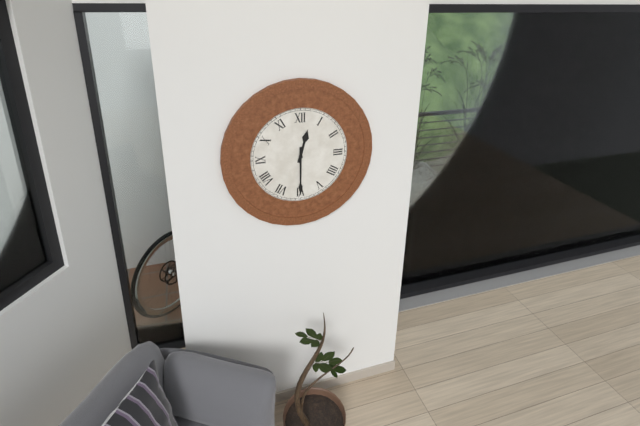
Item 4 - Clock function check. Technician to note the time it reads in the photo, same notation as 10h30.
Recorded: 12h30
